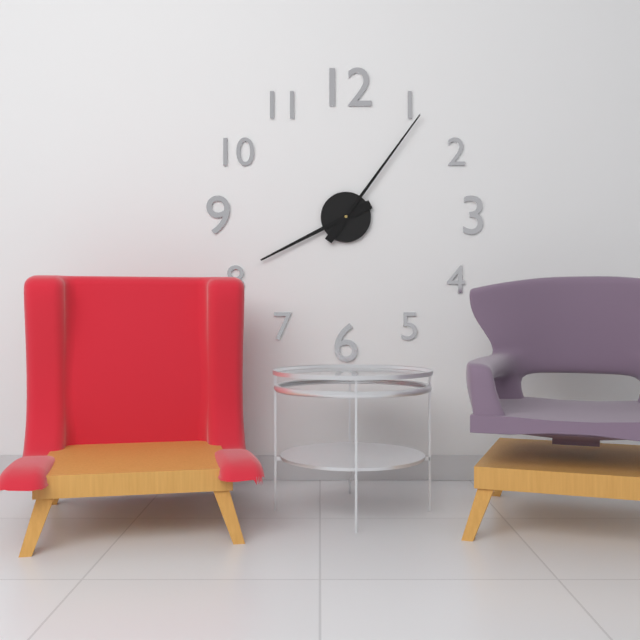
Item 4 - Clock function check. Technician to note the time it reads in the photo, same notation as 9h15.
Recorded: 8h06
